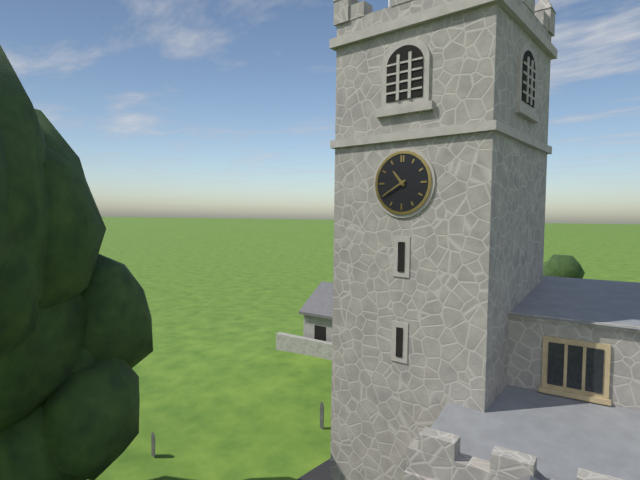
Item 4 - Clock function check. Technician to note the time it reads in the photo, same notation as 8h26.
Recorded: 10h40
